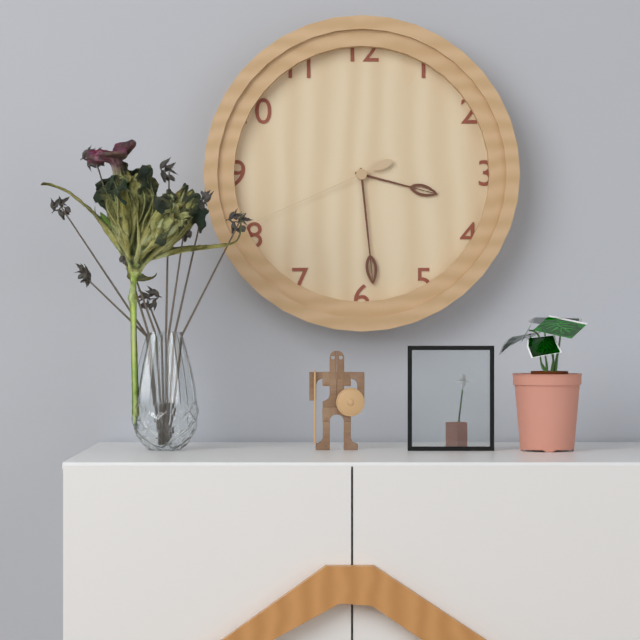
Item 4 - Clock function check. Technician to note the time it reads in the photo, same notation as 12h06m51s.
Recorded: 3h29m41s
